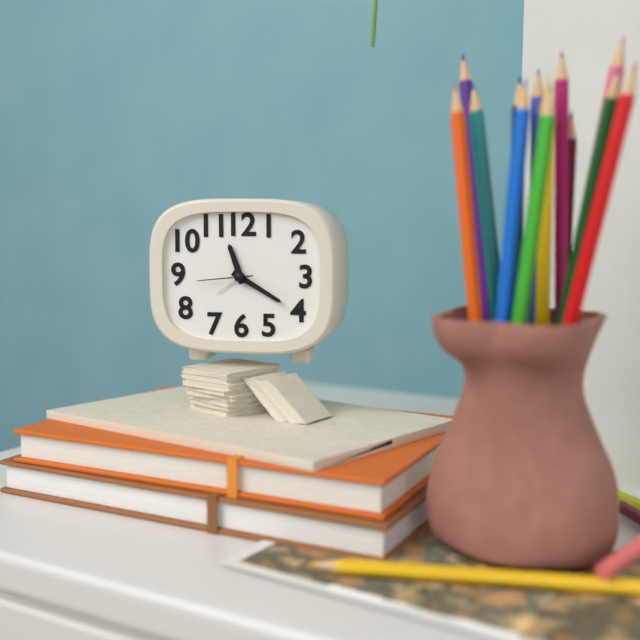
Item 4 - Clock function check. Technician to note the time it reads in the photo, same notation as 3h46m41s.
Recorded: 11h20m44s
